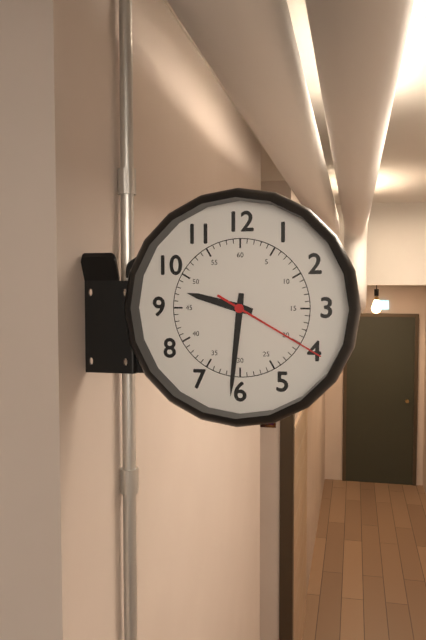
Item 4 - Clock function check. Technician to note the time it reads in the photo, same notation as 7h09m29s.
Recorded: 9h31m20s
